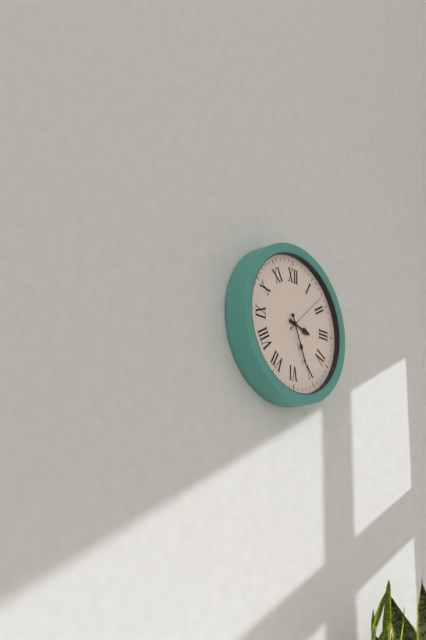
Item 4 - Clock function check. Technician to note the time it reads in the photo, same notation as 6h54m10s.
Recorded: 3h26m08s
